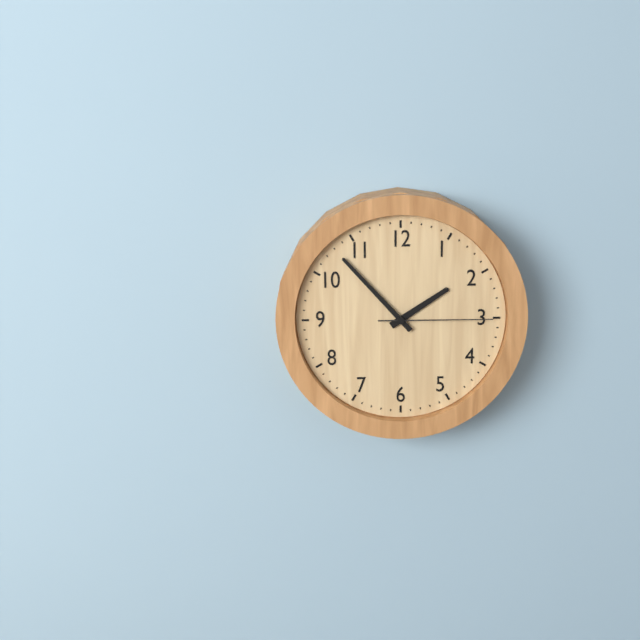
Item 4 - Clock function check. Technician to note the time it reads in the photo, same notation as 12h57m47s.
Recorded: 1h53m15s
